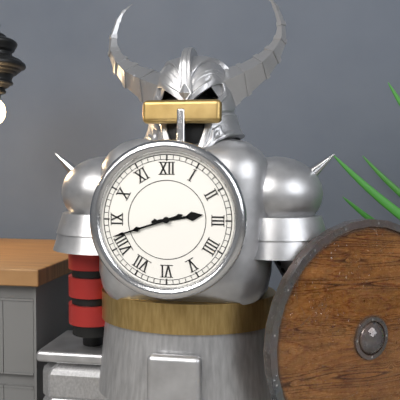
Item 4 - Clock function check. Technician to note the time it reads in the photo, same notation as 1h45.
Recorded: 2h42
